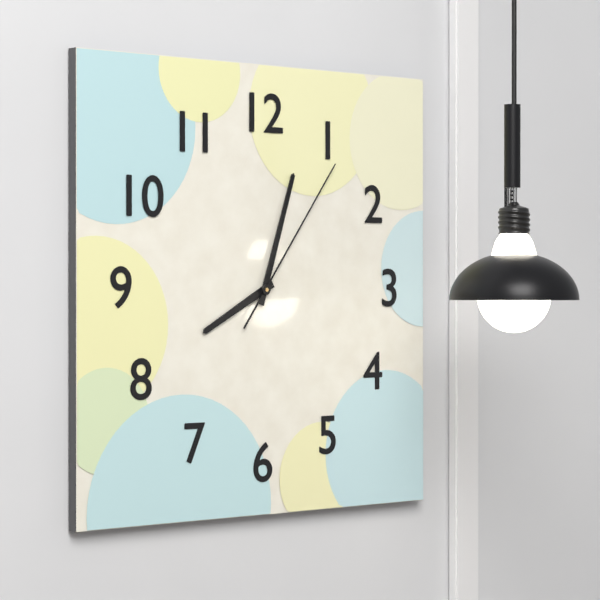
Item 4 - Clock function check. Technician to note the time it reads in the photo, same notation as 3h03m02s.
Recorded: 8h03m06s
